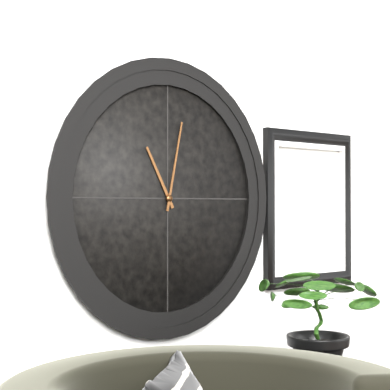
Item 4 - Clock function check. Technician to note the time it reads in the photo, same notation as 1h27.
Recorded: 11h02
